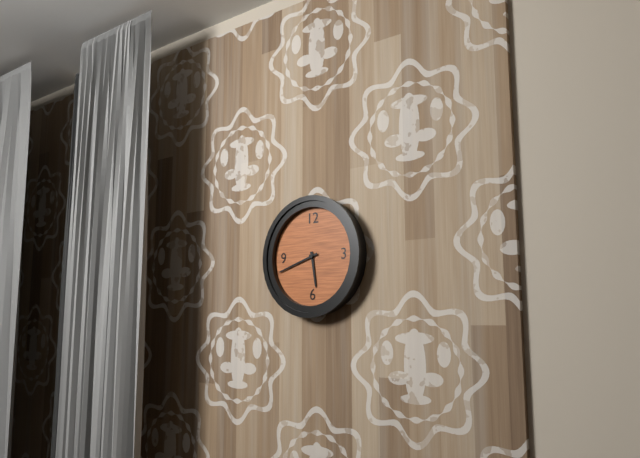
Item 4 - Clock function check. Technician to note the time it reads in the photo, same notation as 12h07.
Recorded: 5h42
